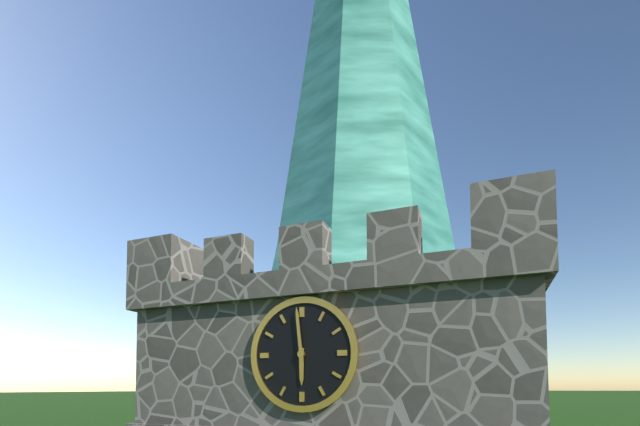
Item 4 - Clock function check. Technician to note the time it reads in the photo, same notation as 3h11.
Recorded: 5h59
